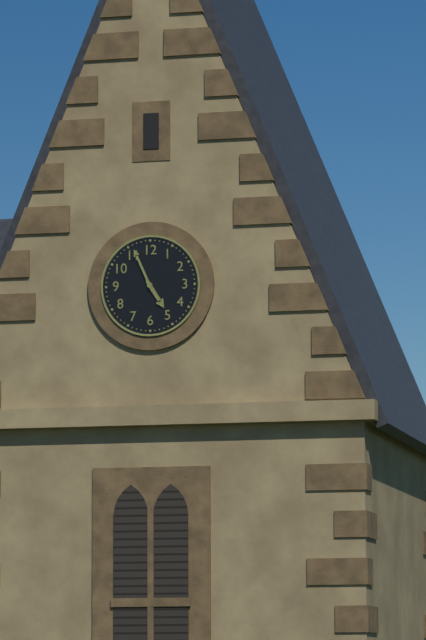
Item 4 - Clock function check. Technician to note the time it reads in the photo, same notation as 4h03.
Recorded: 4h56
